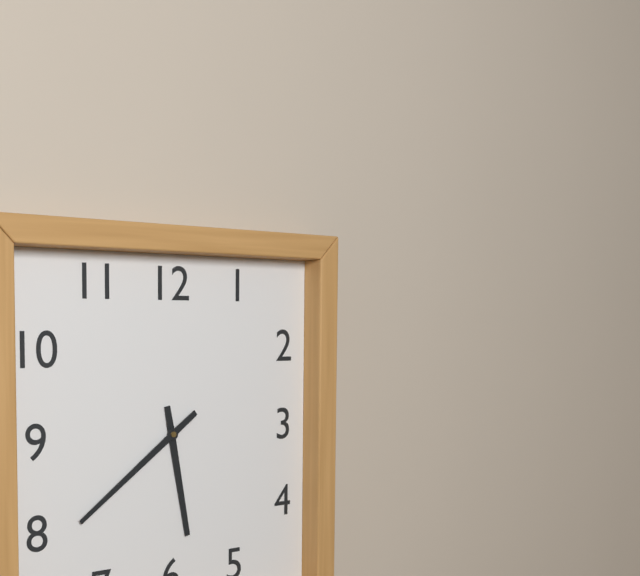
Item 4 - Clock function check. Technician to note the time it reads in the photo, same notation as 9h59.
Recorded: 5h39
